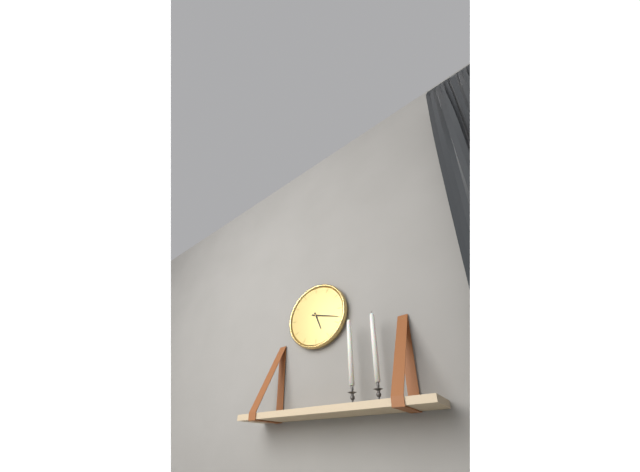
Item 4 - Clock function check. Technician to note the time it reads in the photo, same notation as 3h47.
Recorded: 5h18
